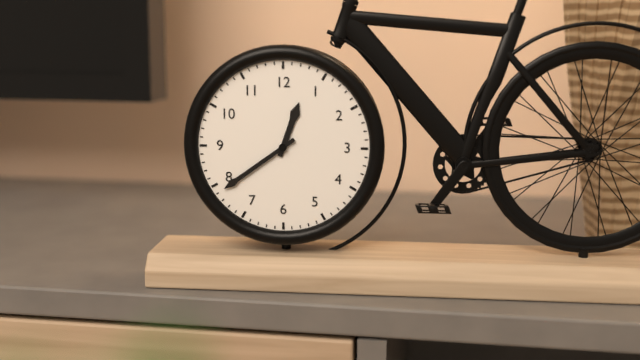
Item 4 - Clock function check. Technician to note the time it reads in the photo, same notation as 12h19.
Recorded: 12h39
